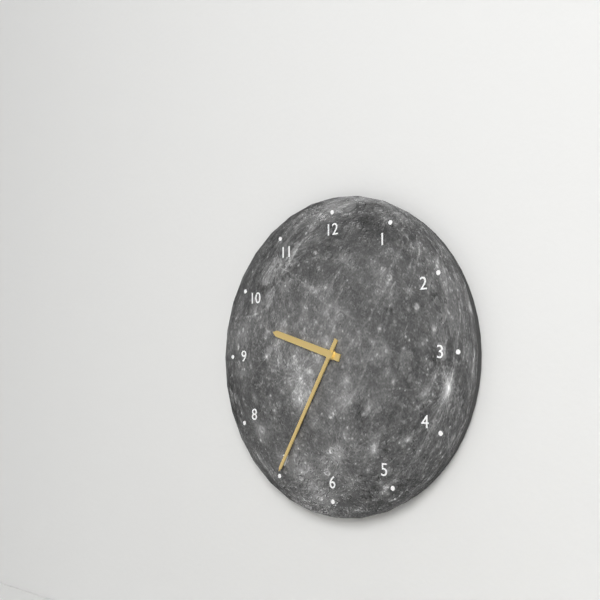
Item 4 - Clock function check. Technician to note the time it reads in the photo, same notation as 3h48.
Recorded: 9h35
